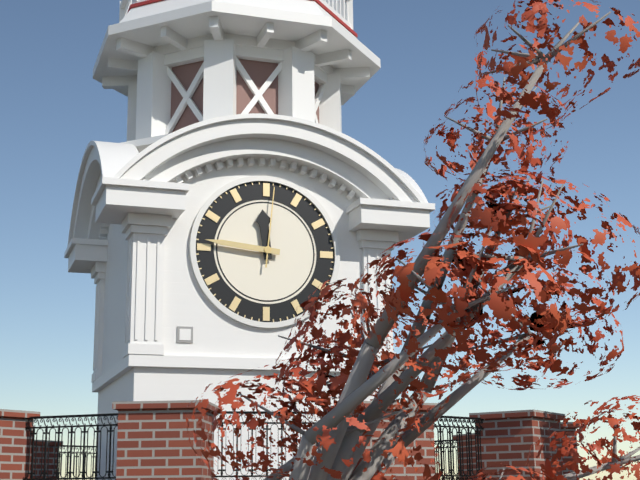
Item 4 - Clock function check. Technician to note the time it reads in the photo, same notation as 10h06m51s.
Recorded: 11h46m01s
